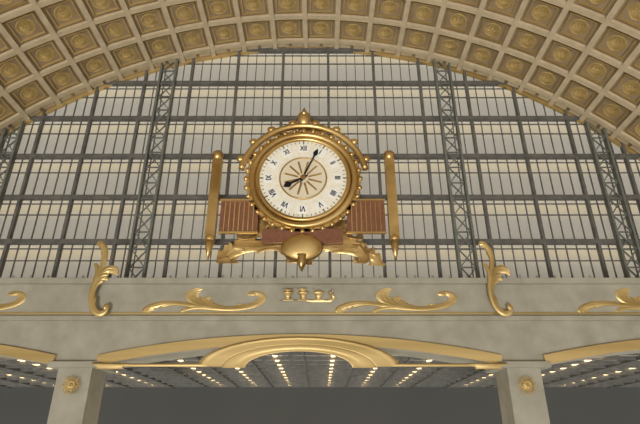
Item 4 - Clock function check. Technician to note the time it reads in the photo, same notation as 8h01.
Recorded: 8h04
